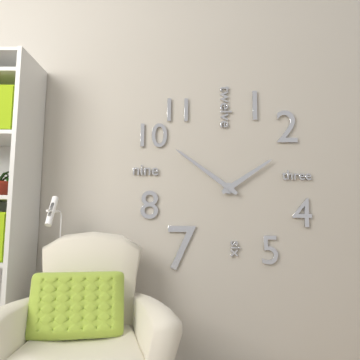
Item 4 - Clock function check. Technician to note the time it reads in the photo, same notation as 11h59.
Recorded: 1h51
